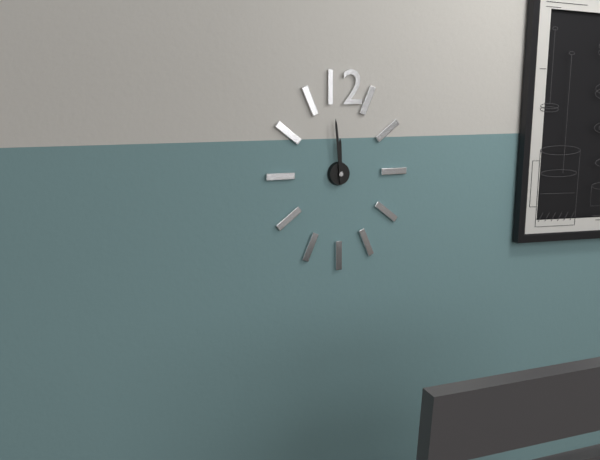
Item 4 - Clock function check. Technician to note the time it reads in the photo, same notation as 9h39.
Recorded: 11h59
